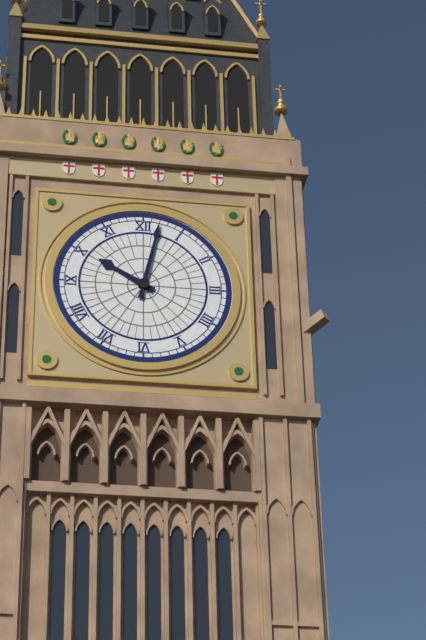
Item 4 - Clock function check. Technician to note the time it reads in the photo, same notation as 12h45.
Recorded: 10h02
